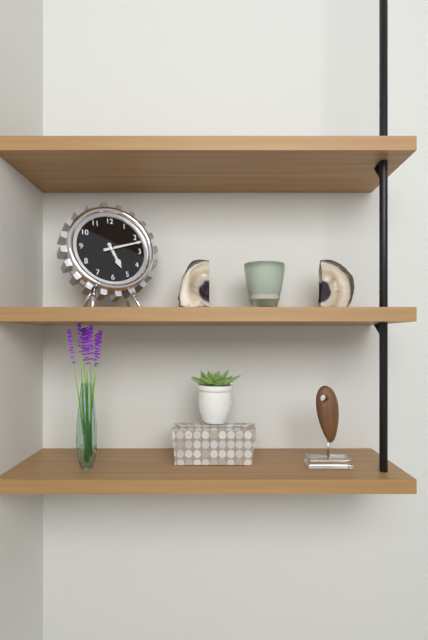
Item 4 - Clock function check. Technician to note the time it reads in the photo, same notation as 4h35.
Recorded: 5h12
